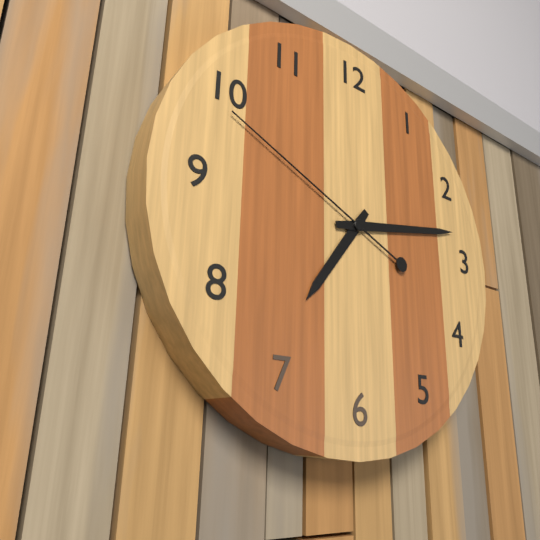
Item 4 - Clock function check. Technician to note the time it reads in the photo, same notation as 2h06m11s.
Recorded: 7h13m49s
